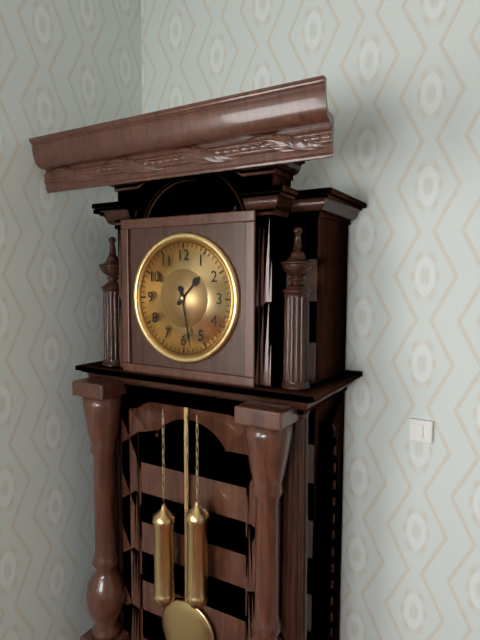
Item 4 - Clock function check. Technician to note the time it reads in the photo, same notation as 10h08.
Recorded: 1h28
